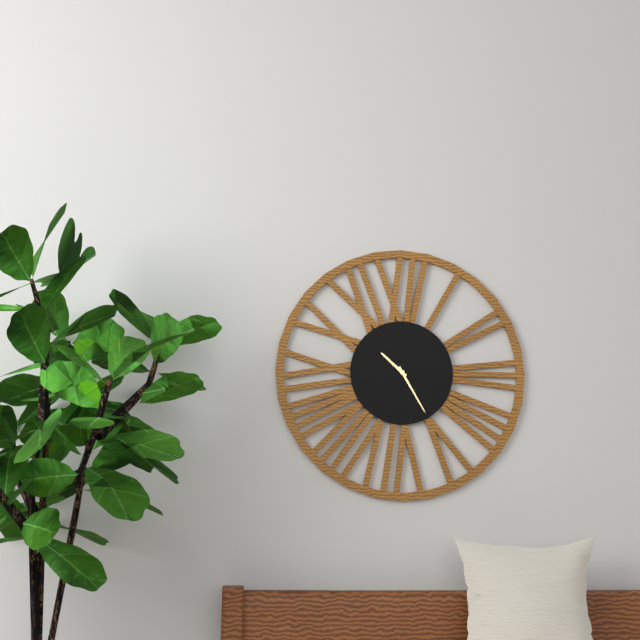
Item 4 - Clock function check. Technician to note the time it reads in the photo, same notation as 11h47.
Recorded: 10h25
